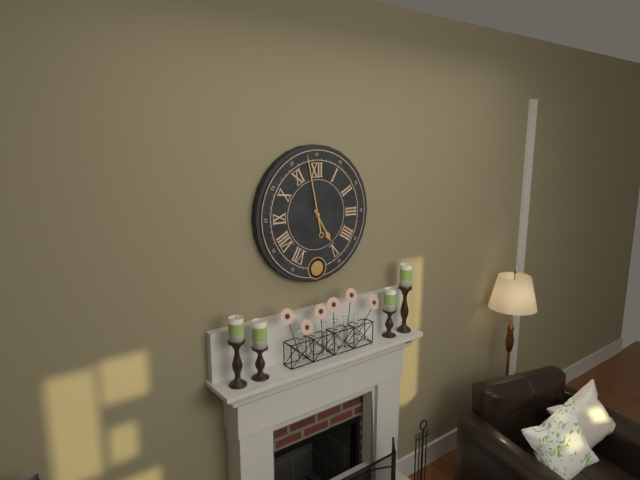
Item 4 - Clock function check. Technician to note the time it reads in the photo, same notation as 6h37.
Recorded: 4h58
